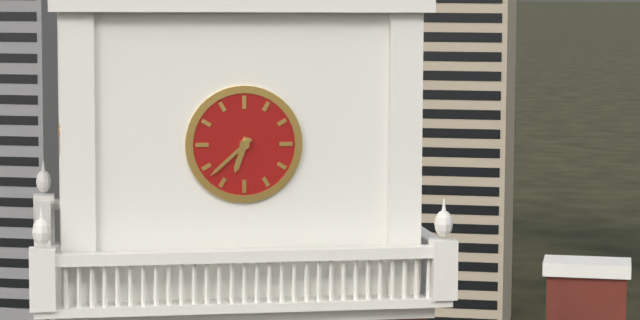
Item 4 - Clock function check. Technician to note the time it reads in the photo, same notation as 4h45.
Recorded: 6h38
